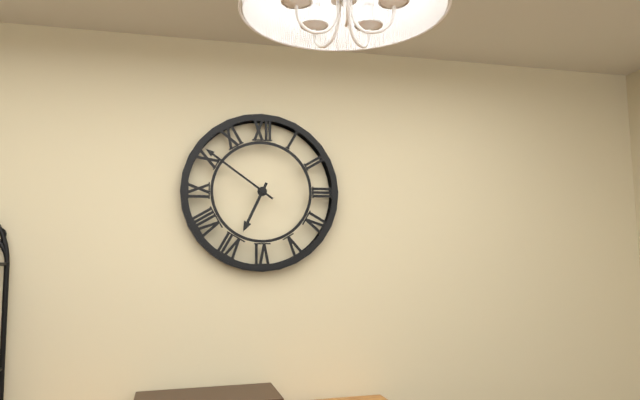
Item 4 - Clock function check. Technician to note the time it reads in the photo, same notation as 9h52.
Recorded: 6h51
